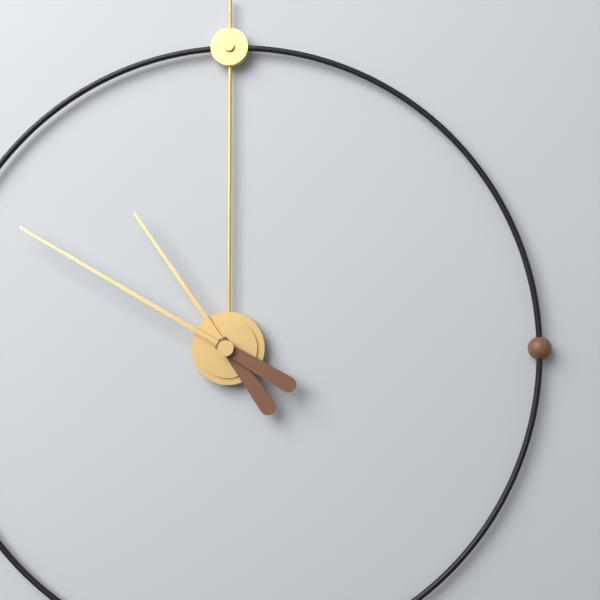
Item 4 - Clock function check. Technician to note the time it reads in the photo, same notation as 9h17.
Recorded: 10h50
